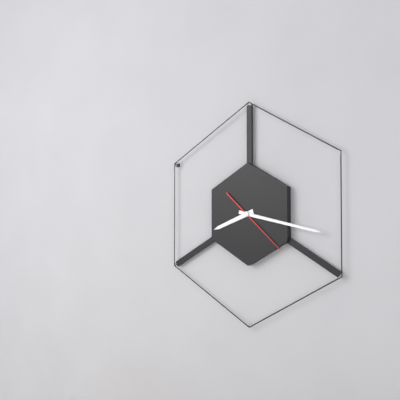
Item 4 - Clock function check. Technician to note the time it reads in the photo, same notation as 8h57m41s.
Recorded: 8h17m22s
